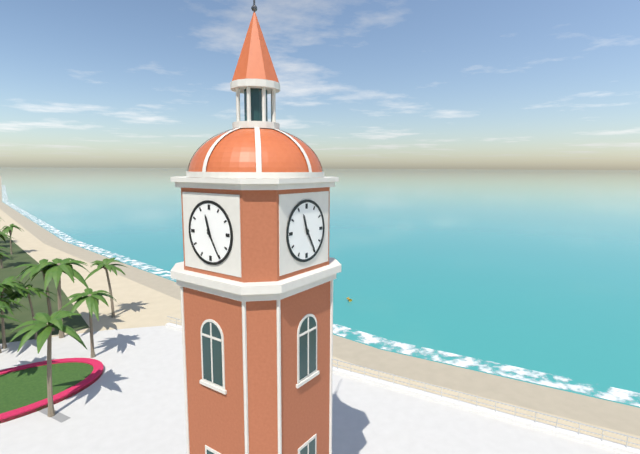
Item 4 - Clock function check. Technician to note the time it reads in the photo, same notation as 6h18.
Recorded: 11h25
